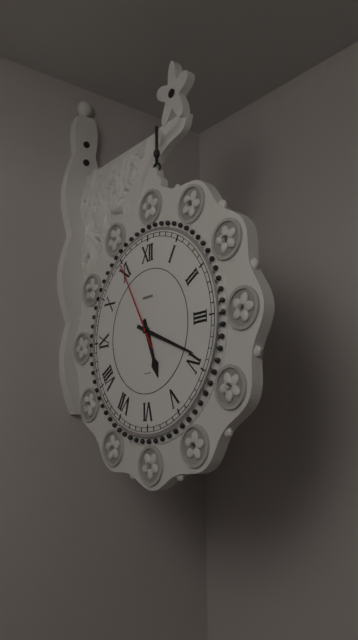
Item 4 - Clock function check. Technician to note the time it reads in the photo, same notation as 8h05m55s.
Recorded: 5h19m55s
